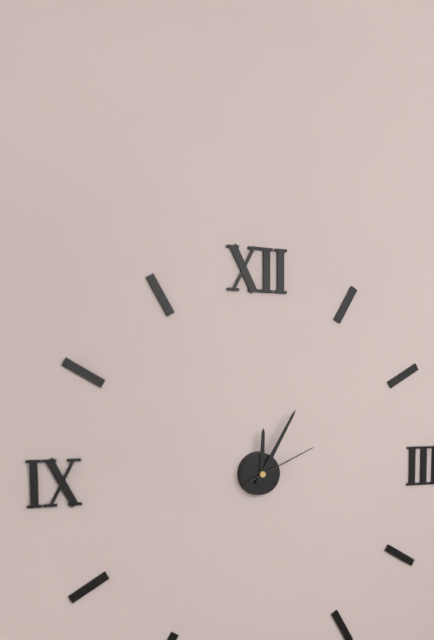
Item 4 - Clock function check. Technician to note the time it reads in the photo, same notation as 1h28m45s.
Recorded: 12h05m11s
